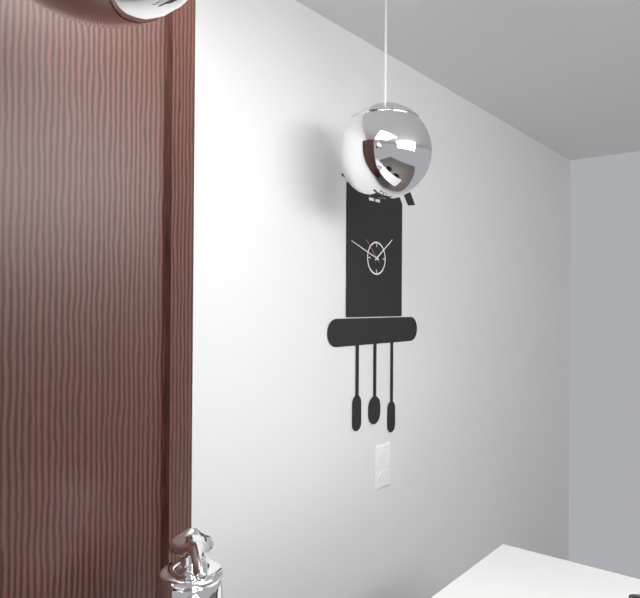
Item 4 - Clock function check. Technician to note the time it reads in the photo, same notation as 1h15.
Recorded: 1h48
